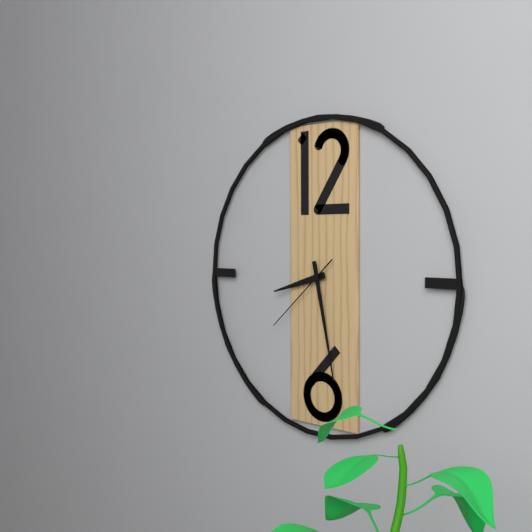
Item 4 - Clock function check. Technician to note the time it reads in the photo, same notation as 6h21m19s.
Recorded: 8h28m38s
